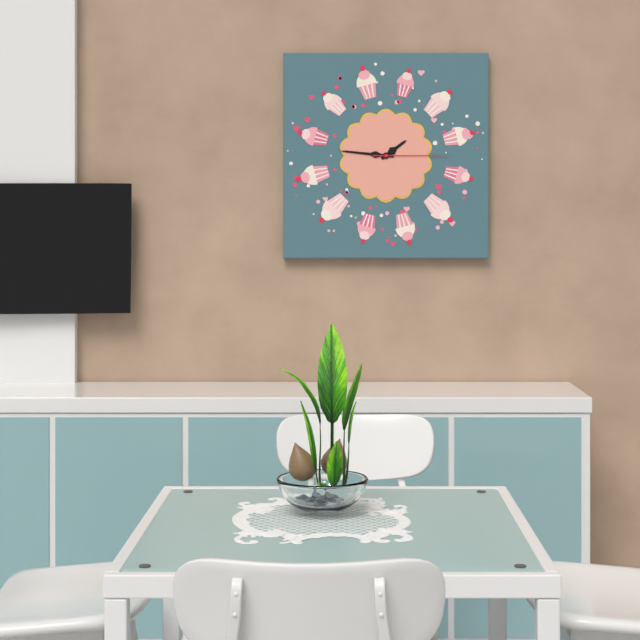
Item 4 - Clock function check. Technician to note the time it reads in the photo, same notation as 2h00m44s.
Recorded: 1h46m15s
